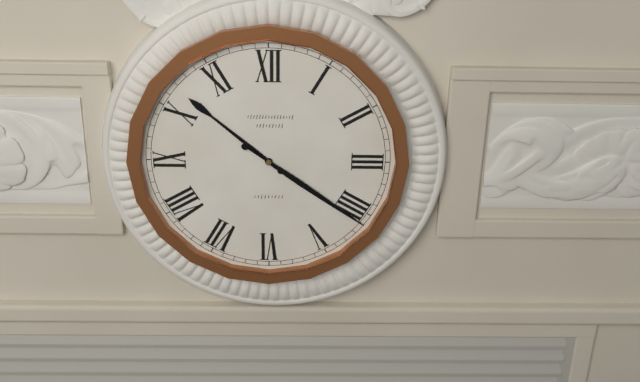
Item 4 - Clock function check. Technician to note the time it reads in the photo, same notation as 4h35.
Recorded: 10h21
